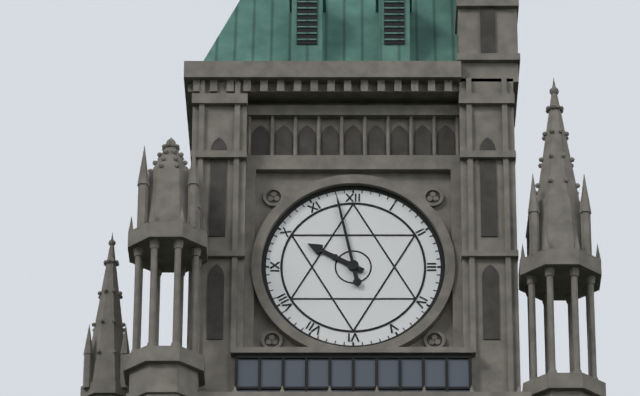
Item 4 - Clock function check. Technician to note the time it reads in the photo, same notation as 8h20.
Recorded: 9h58
